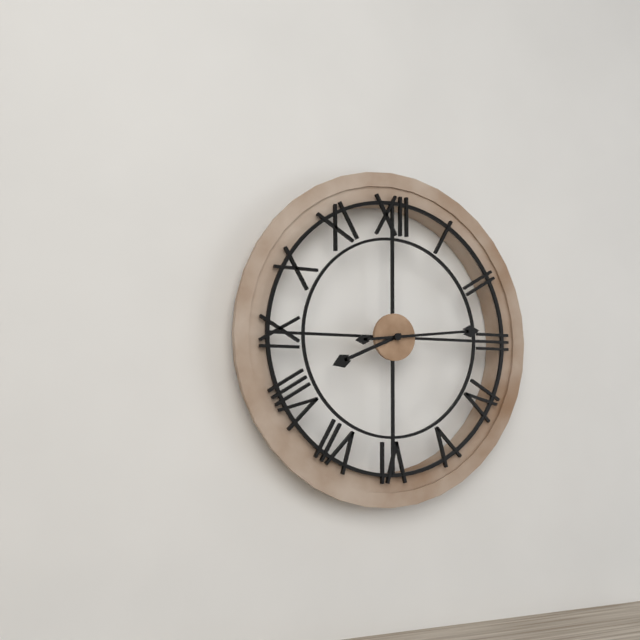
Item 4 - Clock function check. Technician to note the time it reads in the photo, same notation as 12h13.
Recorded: 8h14
